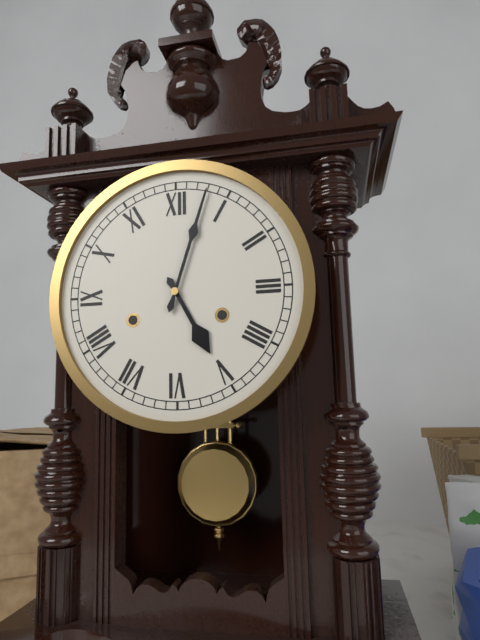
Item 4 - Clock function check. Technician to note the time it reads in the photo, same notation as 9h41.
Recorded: 5h03
